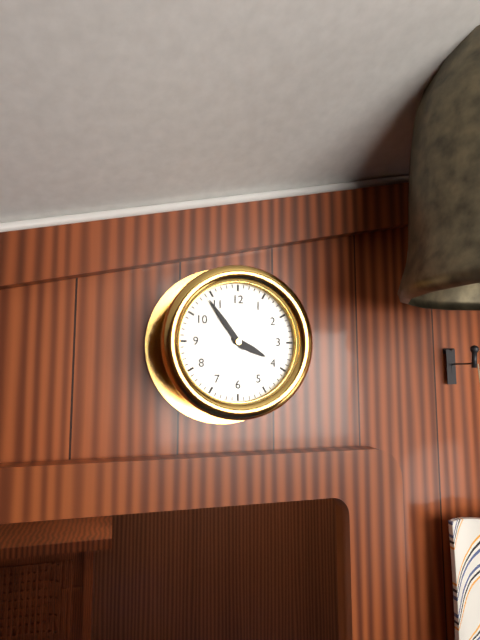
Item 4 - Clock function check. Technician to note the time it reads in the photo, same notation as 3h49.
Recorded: 3h54
